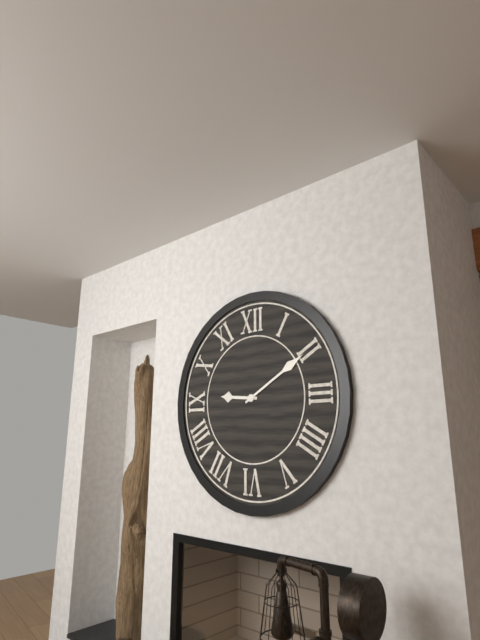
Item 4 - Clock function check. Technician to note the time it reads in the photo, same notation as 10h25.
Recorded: 9h10
